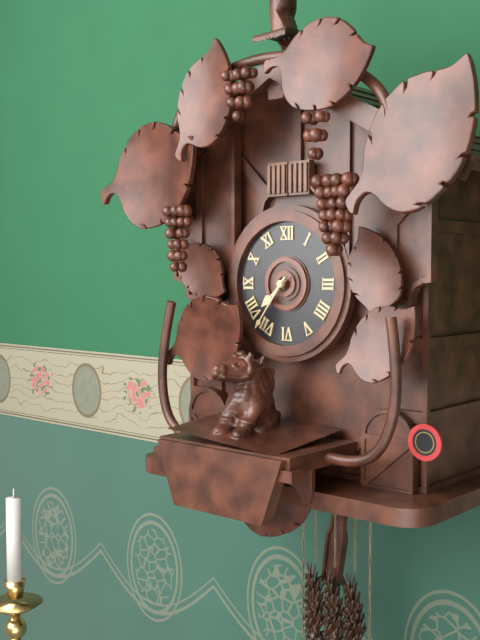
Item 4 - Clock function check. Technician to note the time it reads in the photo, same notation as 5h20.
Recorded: 7h36
